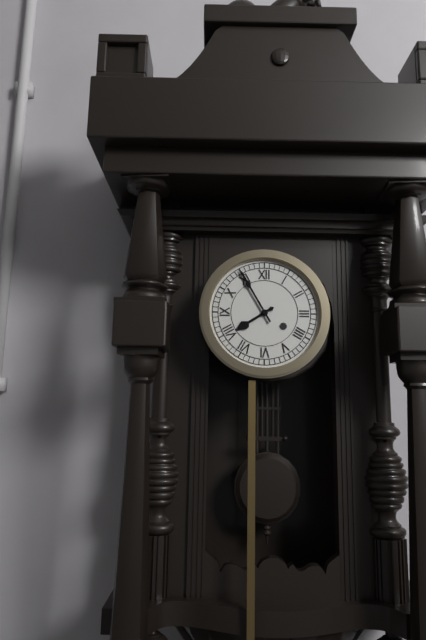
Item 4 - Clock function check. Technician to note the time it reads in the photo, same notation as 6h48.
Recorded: 7h55
